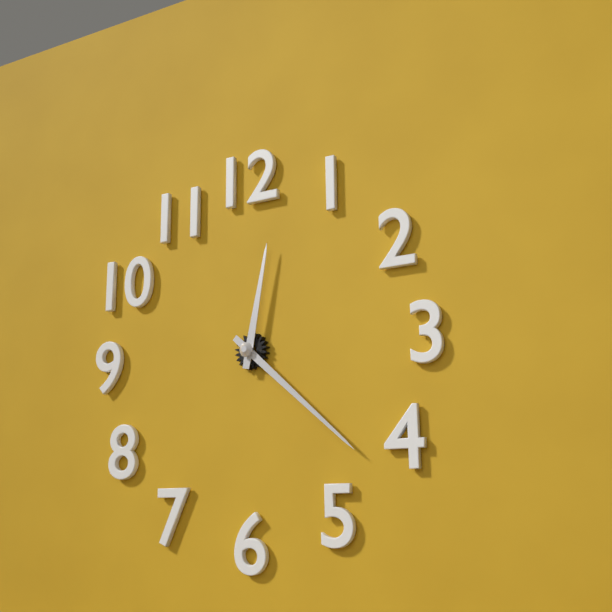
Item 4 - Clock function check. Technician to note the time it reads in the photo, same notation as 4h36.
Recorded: 12h22
